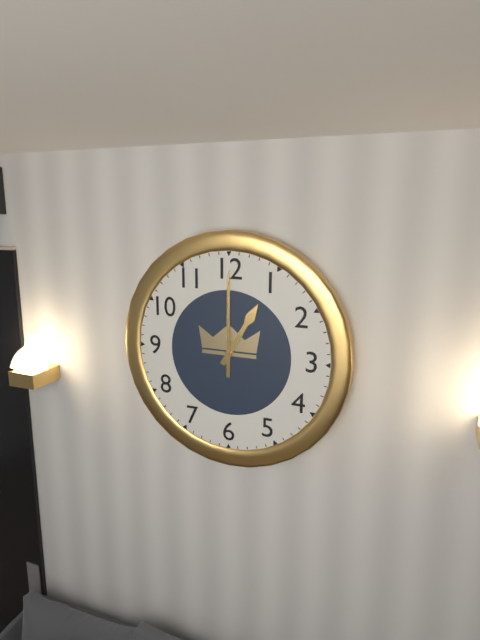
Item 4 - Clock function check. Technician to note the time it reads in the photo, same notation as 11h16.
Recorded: 1h00
